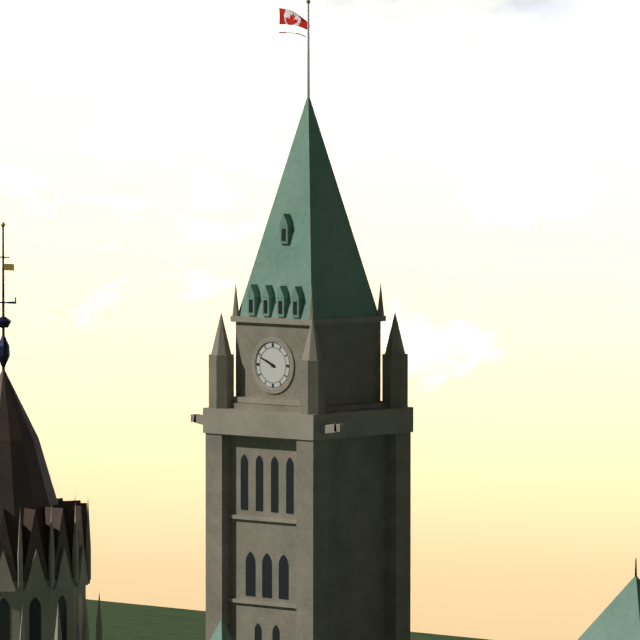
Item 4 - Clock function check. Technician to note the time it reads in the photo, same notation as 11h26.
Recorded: 9h49
